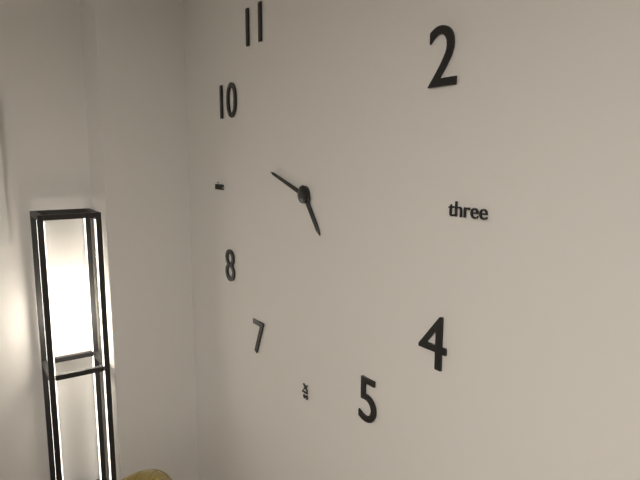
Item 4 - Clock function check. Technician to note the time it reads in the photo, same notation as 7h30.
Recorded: 4h48
